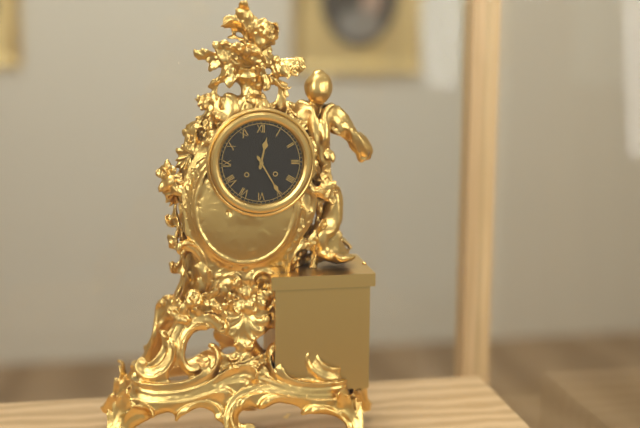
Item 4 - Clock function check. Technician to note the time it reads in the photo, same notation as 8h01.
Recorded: 12h25
